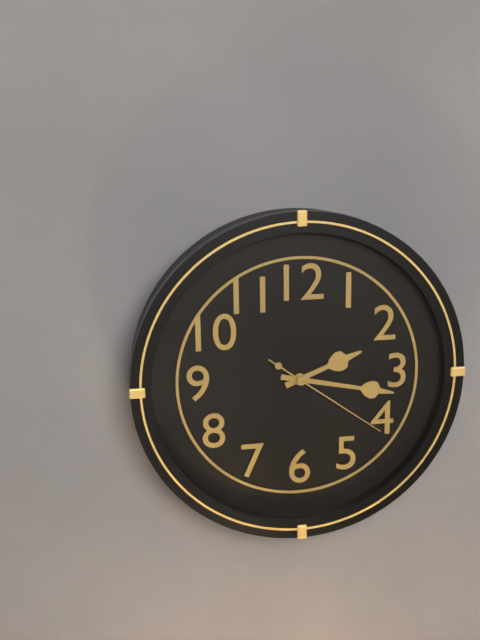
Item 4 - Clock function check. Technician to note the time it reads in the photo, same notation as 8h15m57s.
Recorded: 2h17m21s
